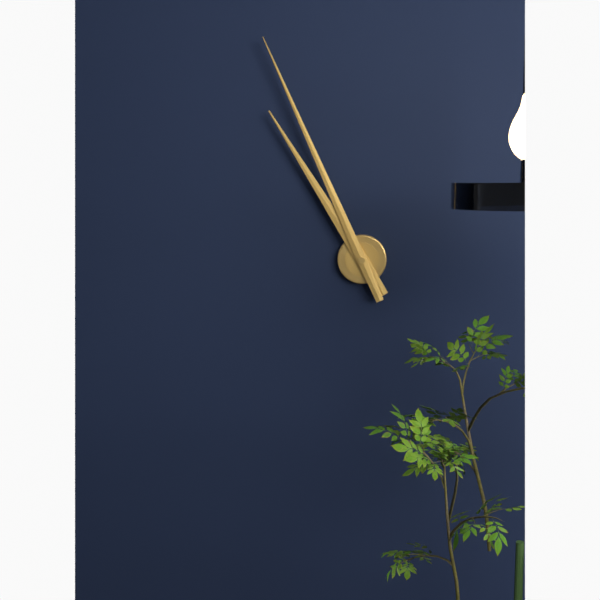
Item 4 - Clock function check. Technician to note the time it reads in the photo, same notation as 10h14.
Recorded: 10h56
